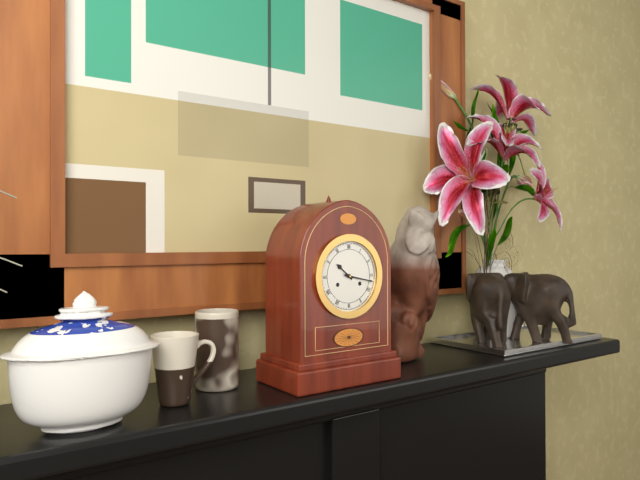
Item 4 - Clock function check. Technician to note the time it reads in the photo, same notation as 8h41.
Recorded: 10h17
